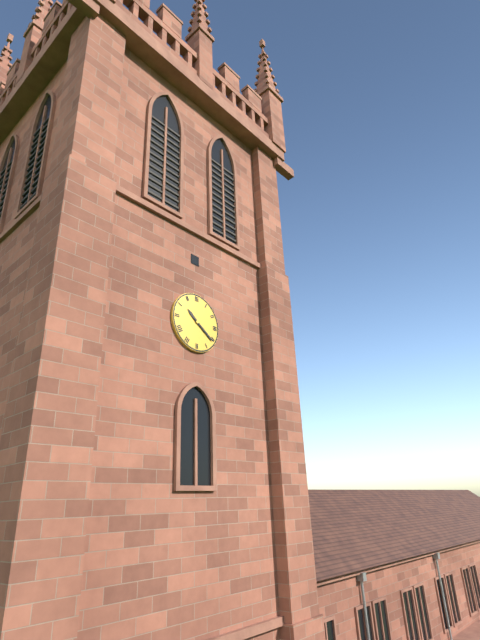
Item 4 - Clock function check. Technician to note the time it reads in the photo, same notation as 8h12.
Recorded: 10h21
